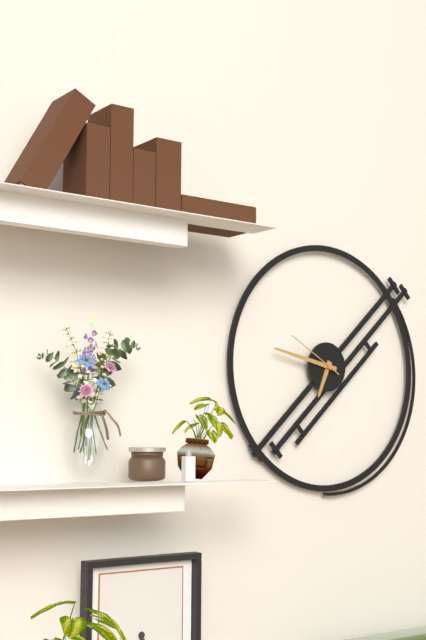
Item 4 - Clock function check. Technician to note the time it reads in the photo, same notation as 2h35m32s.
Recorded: 6h47m50s
